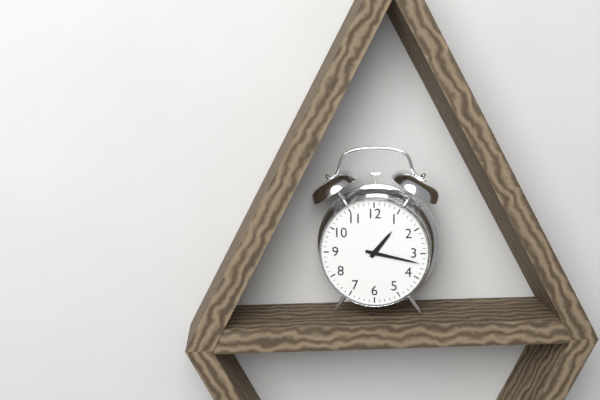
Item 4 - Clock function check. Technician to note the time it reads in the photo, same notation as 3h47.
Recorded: 1h17
